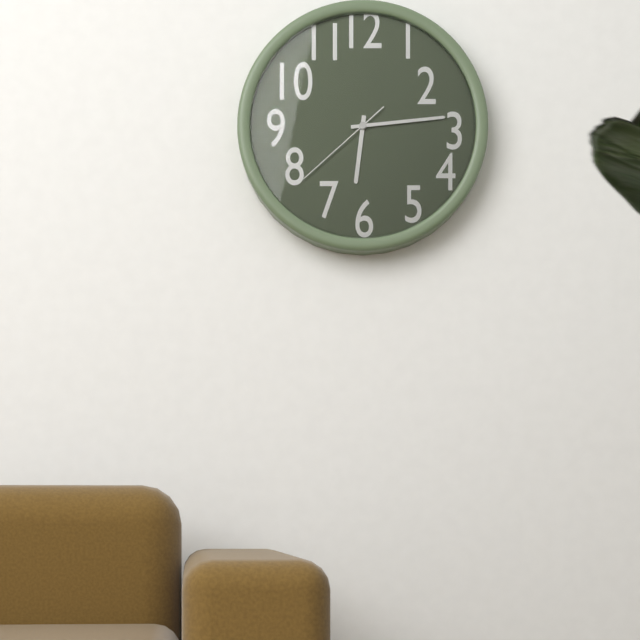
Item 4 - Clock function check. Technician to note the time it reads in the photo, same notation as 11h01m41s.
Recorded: 6h14m38s
